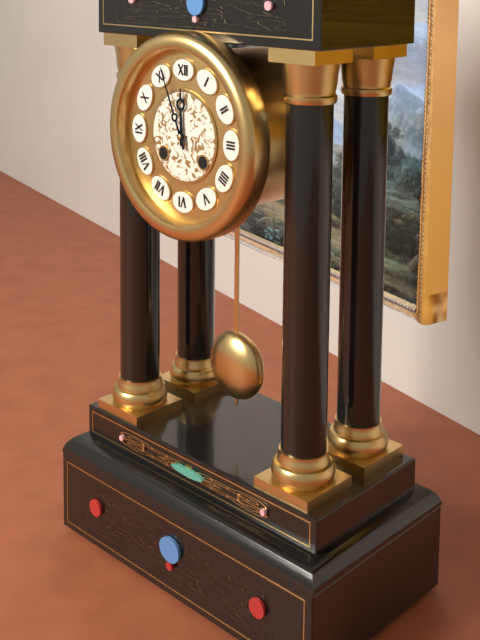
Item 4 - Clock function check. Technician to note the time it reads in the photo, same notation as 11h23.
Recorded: 11h56
